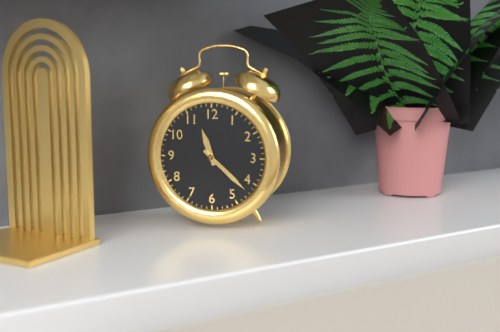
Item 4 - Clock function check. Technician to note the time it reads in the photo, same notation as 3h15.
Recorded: 11h22
